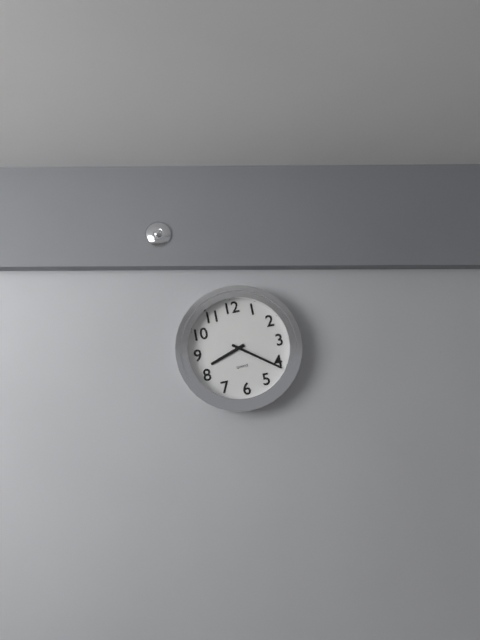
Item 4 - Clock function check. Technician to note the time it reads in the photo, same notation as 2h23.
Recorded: 8h21
